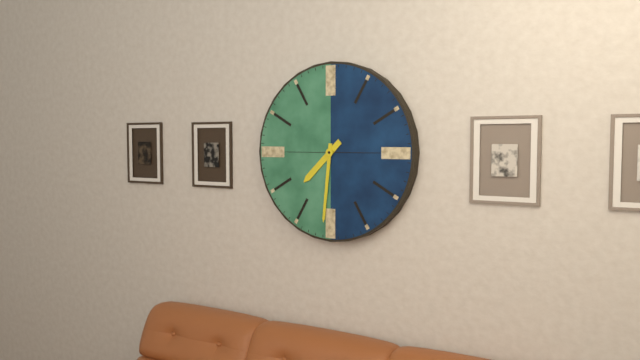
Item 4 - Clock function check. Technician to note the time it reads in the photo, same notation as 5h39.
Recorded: 7h31
